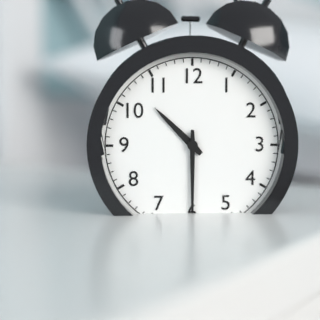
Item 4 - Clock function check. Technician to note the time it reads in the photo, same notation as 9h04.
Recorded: 10h30
